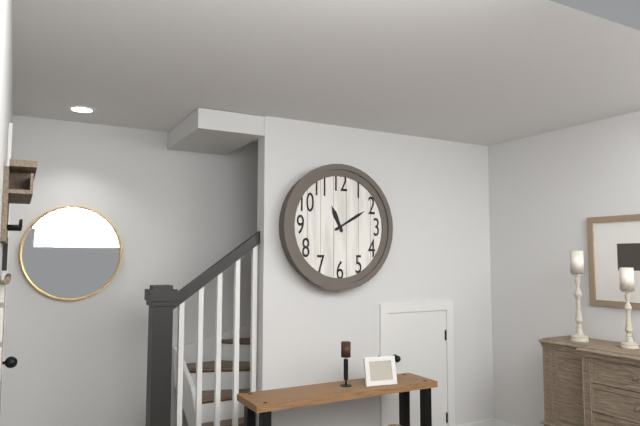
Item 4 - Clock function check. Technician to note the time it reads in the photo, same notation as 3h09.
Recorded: 11h10
